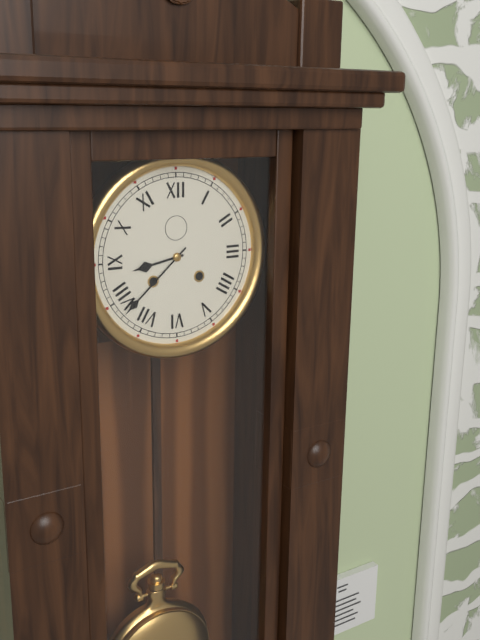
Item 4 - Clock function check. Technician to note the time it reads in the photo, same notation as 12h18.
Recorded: 8h38
